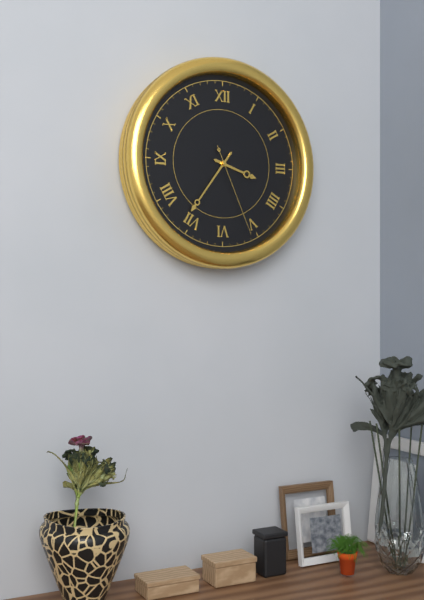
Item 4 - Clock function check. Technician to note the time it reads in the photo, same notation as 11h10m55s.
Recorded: 3h36m26s
